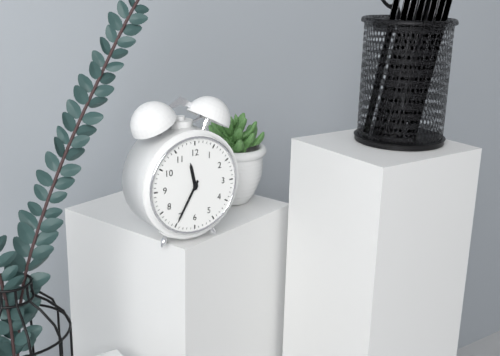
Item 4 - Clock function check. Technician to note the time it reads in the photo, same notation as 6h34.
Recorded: 11h35
